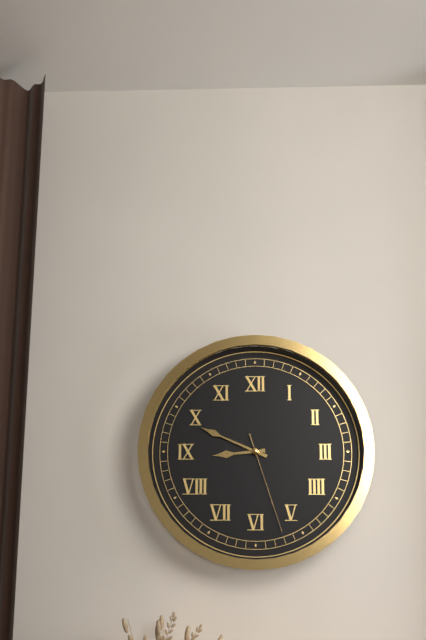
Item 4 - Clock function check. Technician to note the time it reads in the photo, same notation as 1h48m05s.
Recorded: 8h49m27s
